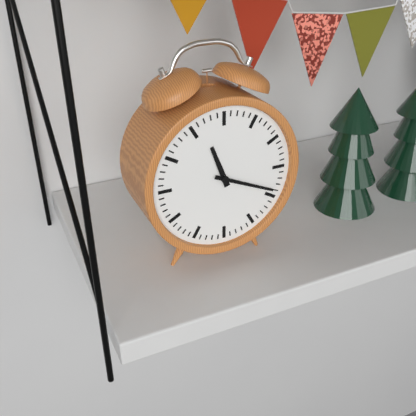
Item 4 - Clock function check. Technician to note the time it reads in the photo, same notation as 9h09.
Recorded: 11h19
